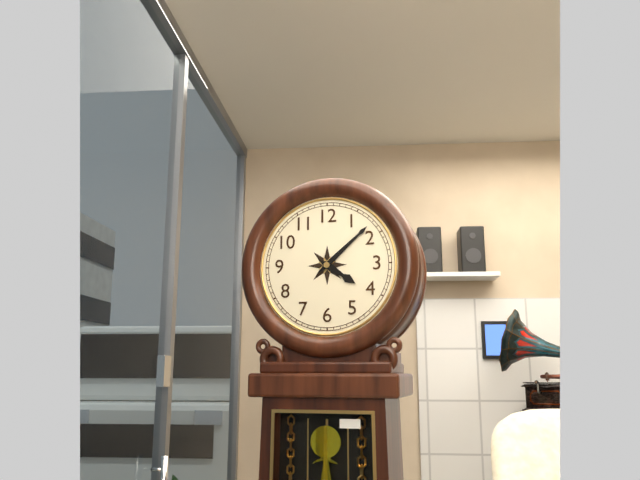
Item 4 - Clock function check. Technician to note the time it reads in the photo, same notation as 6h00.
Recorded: 4h08
